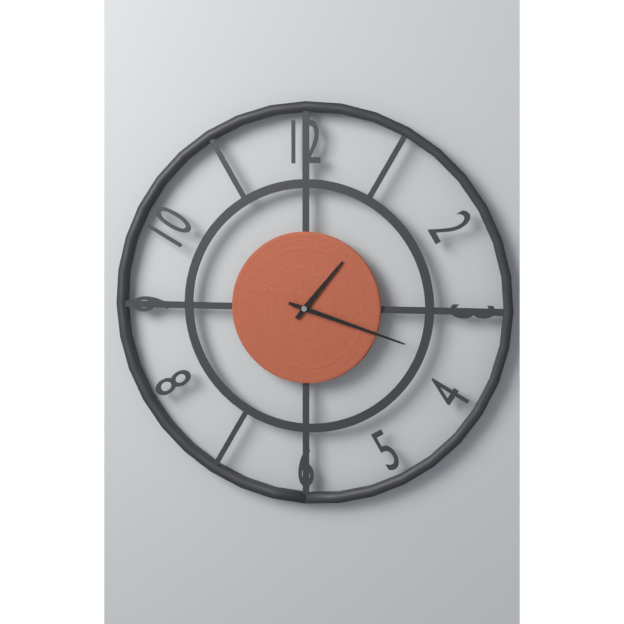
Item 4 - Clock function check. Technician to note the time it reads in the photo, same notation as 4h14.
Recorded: 1h18
